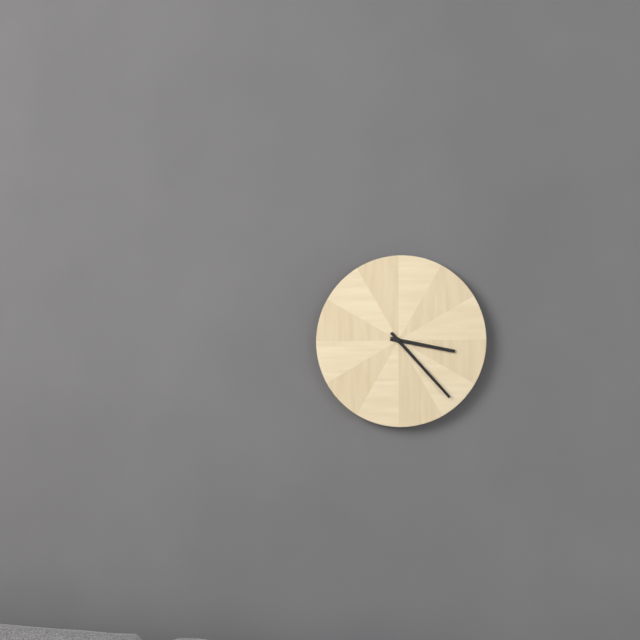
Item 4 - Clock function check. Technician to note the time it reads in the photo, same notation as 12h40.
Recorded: 3h23
